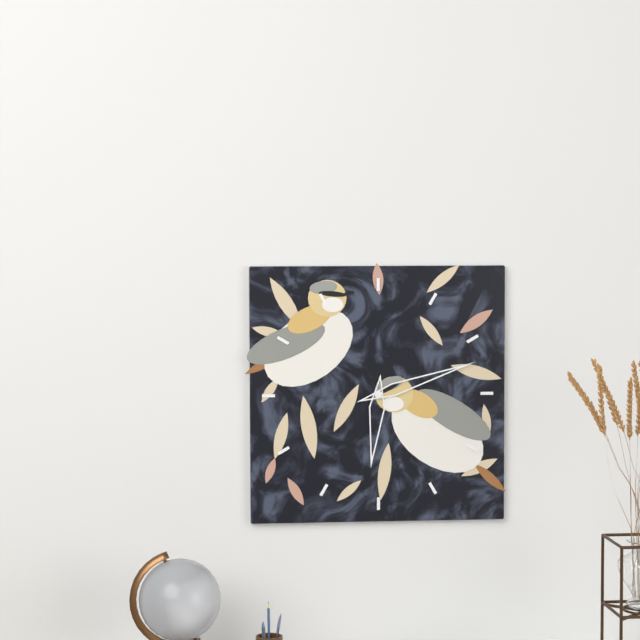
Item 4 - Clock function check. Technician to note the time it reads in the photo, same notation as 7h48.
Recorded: 6h12
